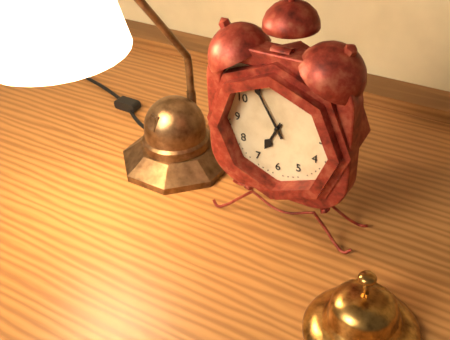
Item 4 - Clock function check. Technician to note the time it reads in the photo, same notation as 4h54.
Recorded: 6h55
